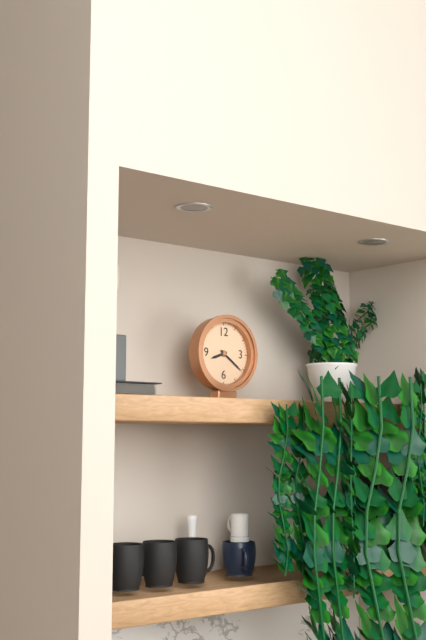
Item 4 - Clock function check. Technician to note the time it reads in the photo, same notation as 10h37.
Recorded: 8h21
